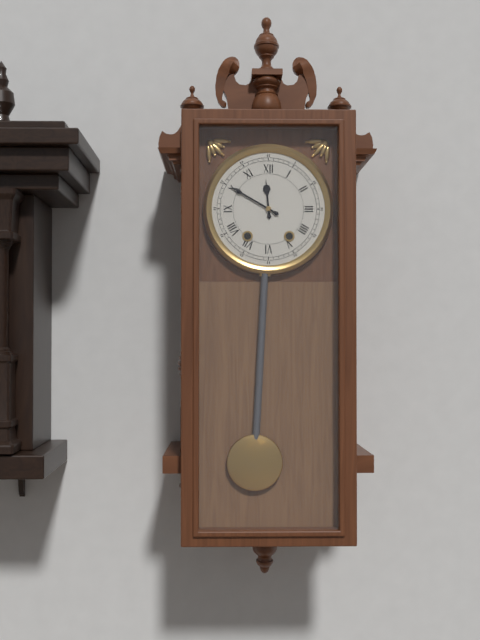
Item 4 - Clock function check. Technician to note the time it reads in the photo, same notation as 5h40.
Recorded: 11h50
